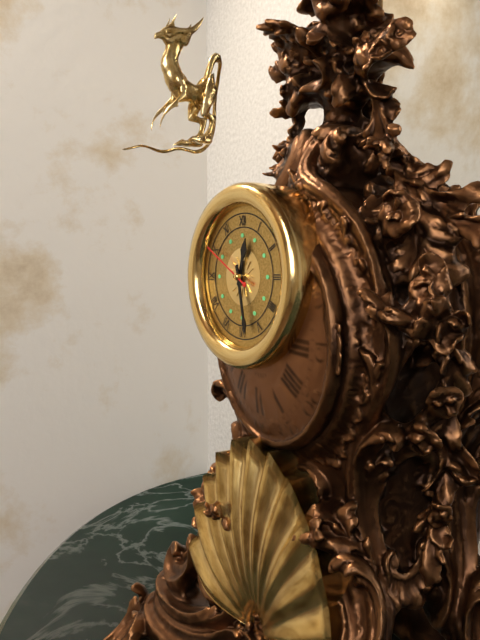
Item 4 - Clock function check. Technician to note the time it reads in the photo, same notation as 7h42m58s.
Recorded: 12h28m50s
